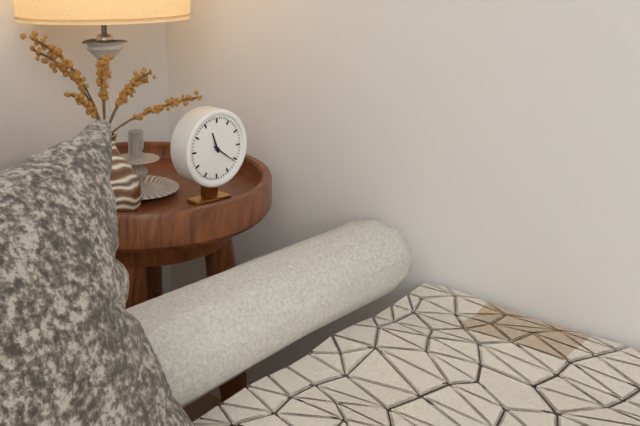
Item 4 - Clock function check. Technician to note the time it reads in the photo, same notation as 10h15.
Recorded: 11h21
